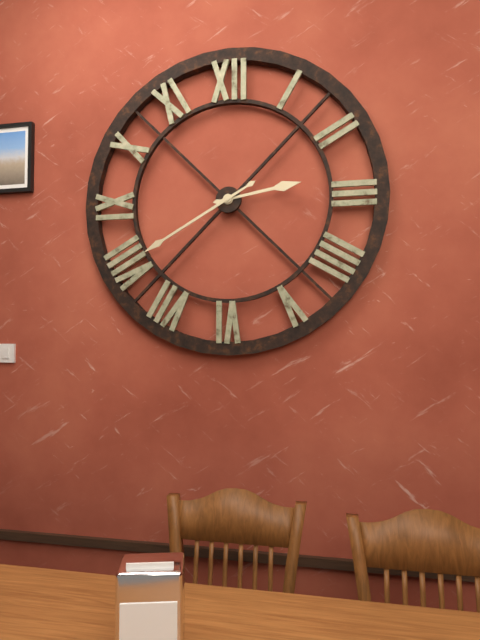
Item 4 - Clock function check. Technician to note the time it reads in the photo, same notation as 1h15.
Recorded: 2h40
